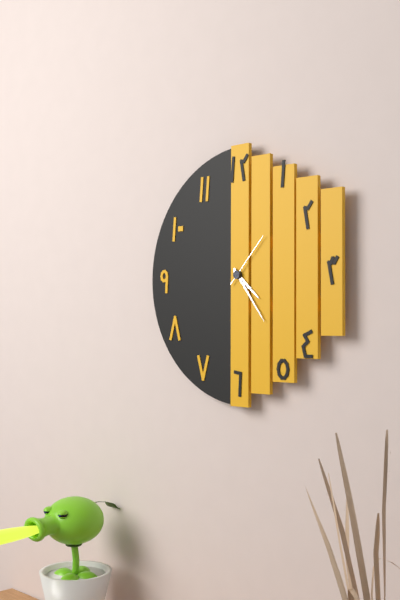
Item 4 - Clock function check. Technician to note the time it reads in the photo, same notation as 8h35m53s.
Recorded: 4h24m07s
